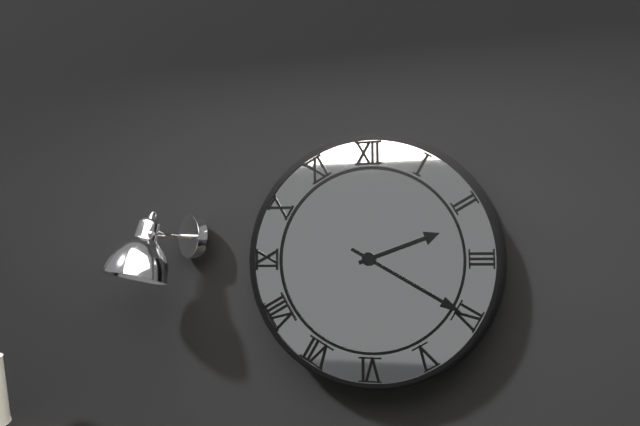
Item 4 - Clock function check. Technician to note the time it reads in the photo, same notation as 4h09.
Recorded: 2h20
